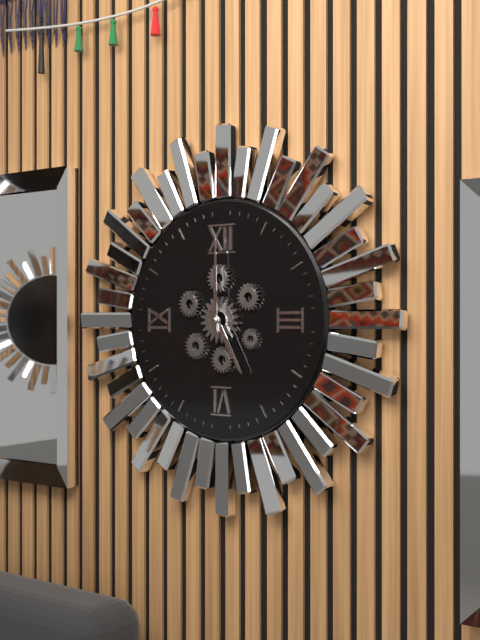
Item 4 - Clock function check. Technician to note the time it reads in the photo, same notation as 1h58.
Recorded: 5h00
